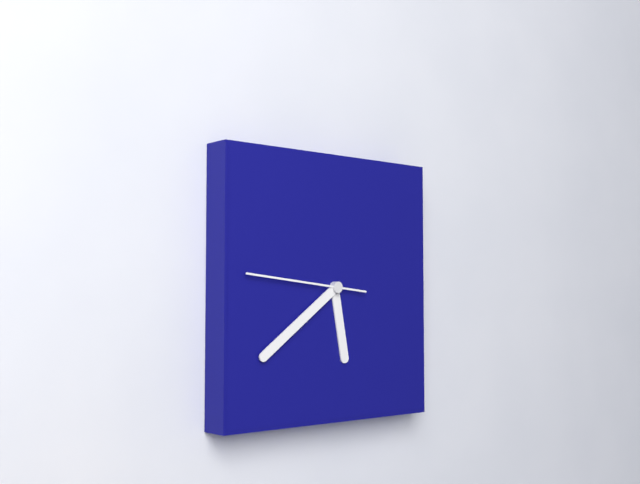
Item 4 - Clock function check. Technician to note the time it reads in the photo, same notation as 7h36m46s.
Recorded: 5h39m46s
